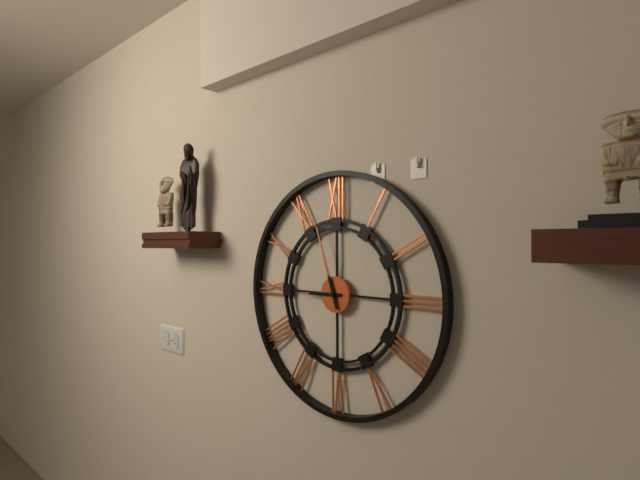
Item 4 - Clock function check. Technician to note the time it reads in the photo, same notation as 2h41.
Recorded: 8h57
